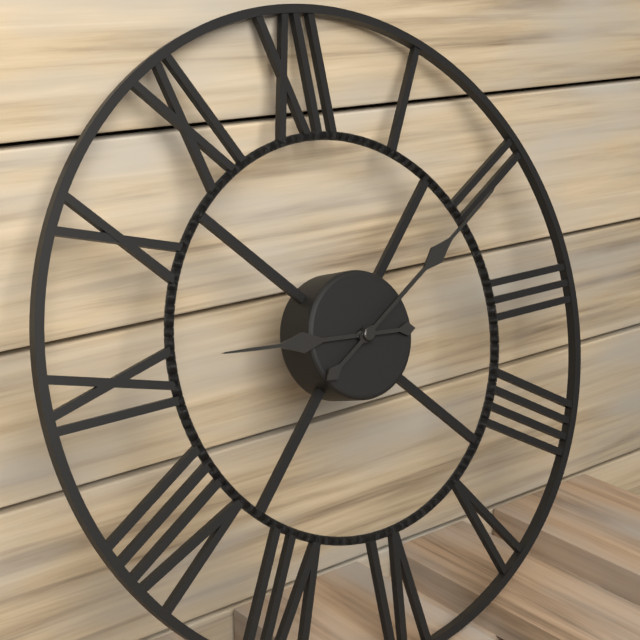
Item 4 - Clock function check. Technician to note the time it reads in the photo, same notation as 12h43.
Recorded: 9h10
